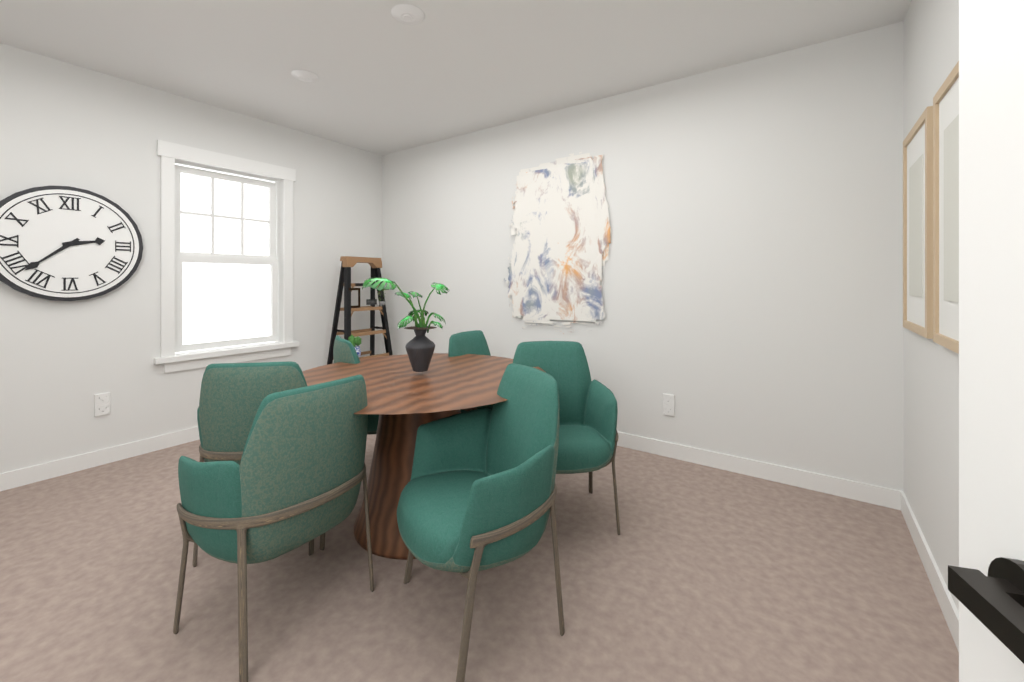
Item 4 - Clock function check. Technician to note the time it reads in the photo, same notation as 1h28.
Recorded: 2h38
